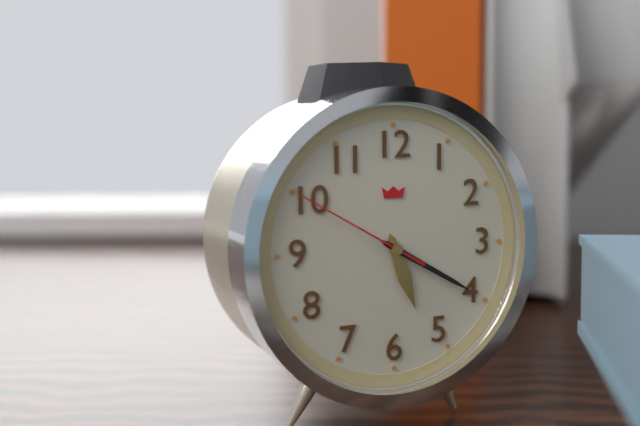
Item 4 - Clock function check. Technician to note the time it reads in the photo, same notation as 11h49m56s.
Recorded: 5h20m50s
